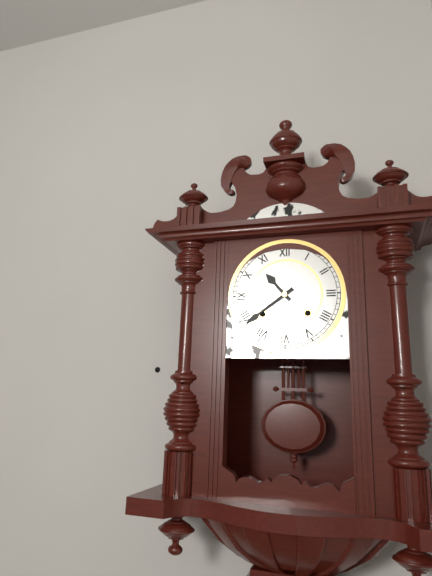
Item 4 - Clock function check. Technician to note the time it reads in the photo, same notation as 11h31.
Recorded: 10h39
